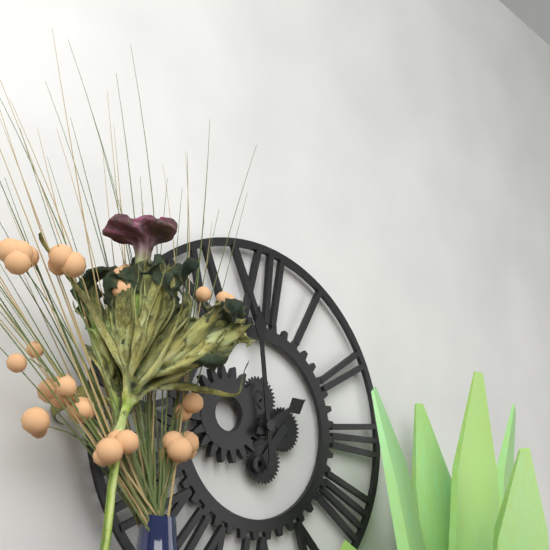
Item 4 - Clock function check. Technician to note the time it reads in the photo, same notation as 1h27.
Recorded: 1h59
